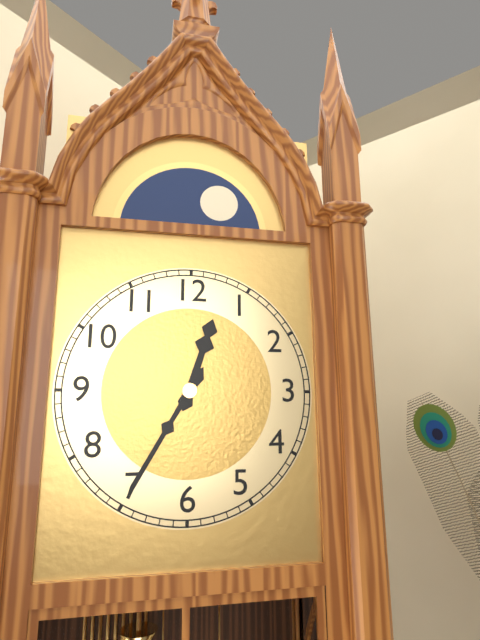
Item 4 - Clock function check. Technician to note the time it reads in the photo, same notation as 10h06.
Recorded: 12h35
